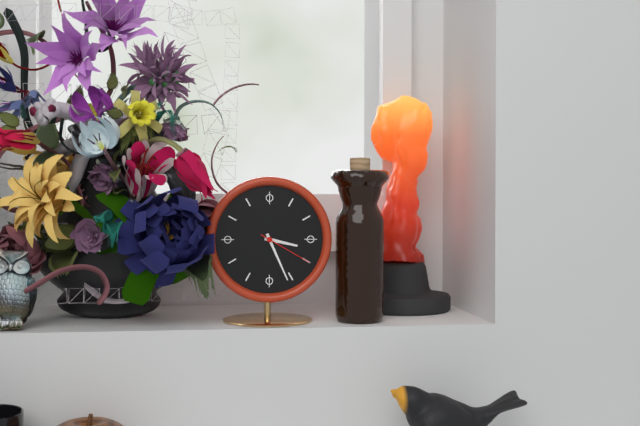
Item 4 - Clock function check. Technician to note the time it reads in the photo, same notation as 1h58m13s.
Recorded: 3h26m20s
